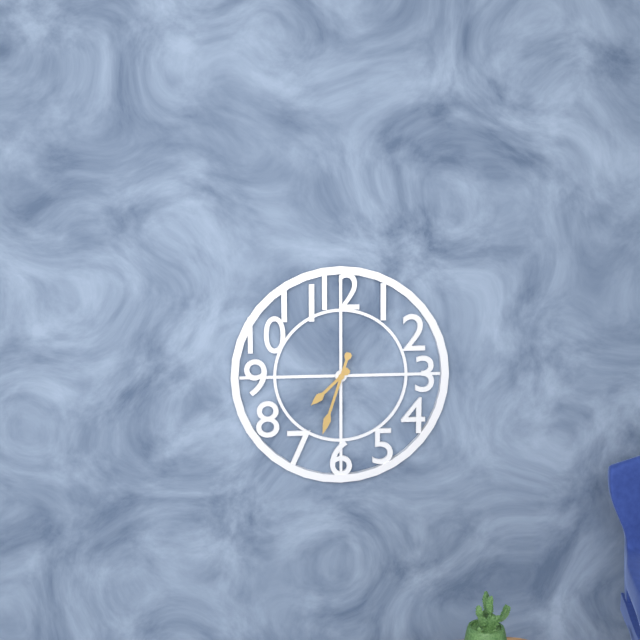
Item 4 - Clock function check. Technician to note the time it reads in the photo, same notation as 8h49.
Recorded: 7h33
